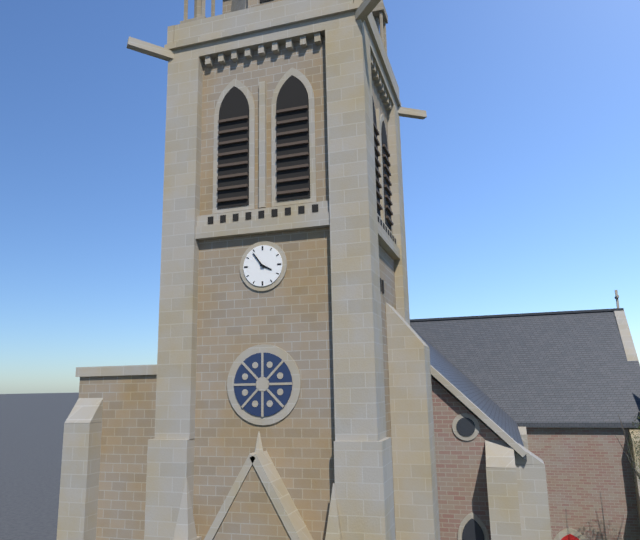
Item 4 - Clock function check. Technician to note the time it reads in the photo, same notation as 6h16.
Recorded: 3h54
